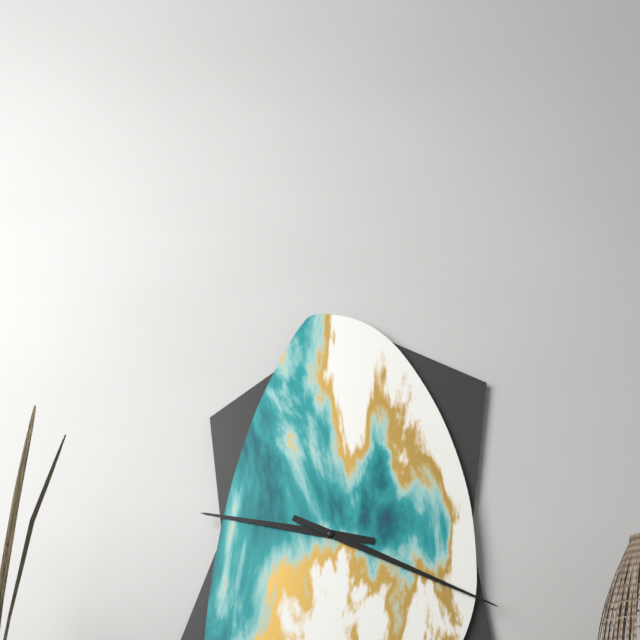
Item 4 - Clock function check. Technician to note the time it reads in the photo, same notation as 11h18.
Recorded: 9h19
